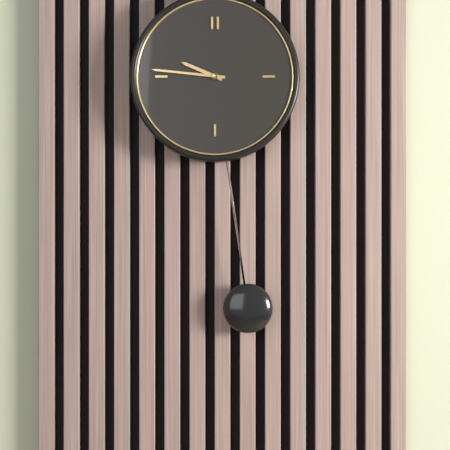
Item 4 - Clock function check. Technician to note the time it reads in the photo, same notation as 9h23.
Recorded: 9h46
